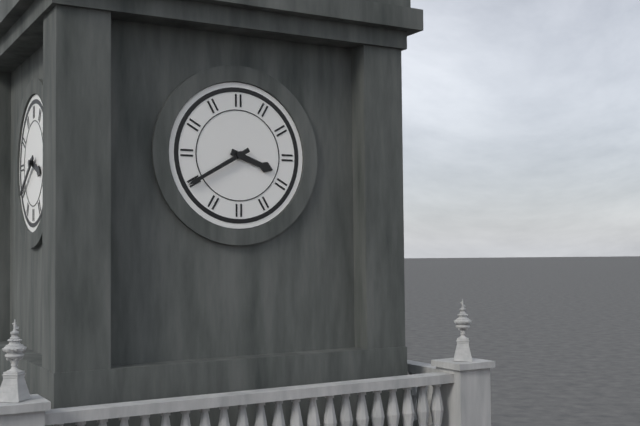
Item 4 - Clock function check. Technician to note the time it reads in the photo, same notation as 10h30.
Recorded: 3h40
